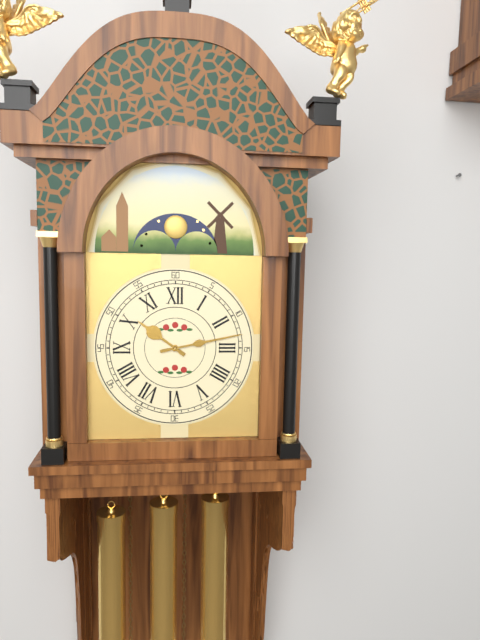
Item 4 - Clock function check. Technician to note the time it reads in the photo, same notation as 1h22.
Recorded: 10h13
